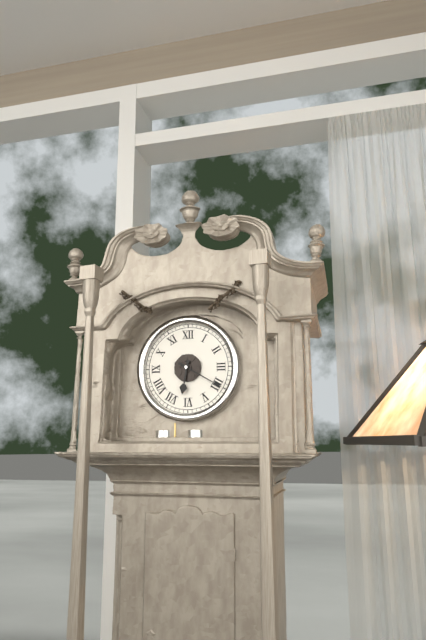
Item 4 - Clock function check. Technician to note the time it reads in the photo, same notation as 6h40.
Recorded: 6h20
